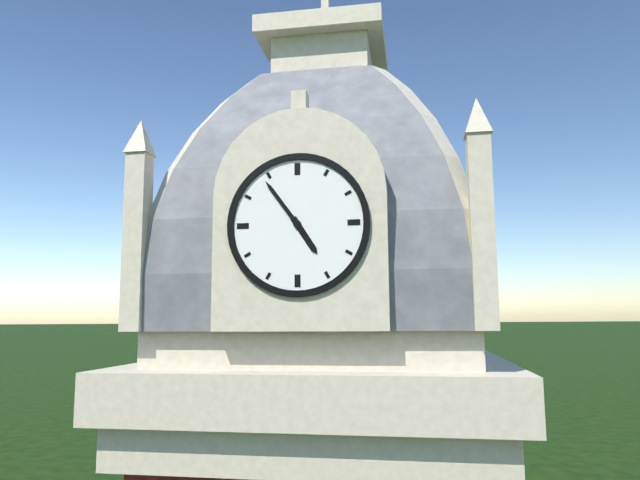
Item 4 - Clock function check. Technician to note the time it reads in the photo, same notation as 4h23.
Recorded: 4h54
